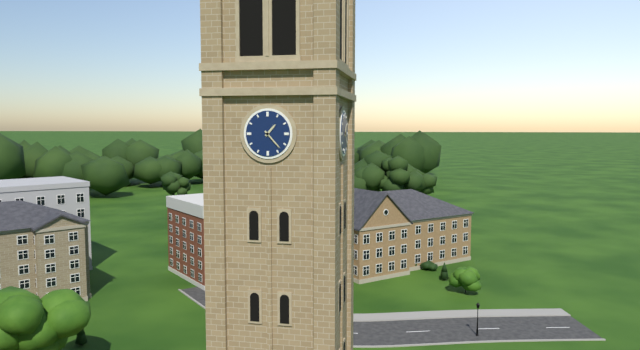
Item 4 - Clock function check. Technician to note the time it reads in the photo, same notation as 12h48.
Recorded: 1h23
